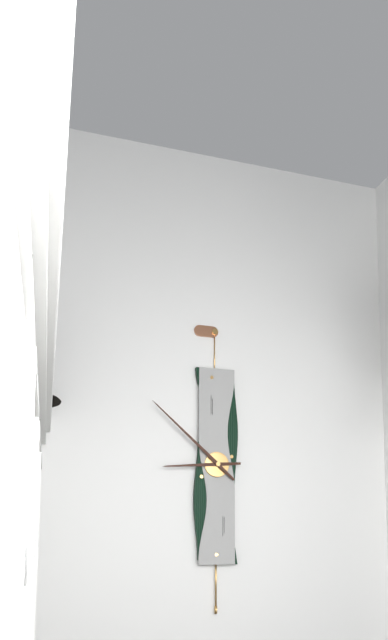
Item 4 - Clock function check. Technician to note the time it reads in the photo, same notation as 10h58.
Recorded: 8h52
